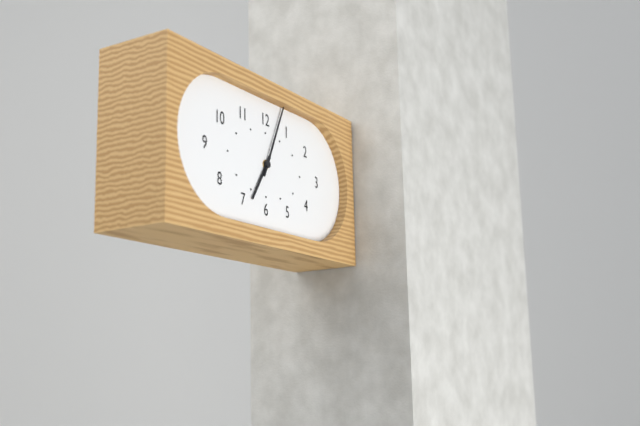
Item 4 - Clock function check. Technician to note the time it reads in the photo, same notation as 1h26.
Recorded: 7h04
